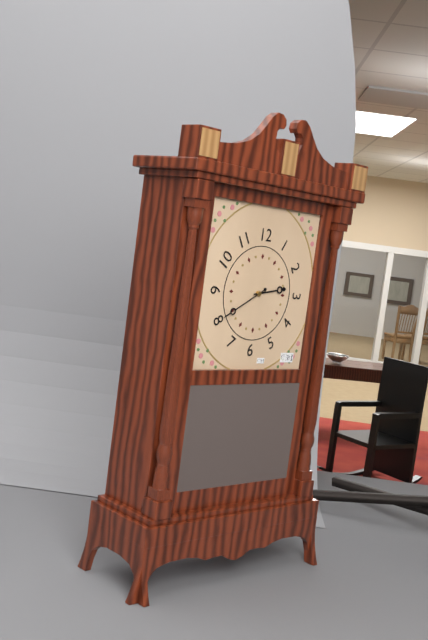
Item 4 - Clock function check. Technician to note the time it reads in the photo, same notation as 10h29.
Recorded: 2h40
